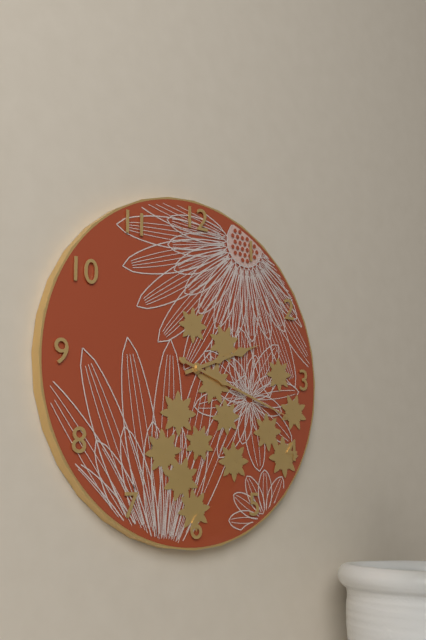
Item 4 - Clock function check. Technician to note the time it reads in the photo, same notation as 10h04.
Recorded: 2h18
